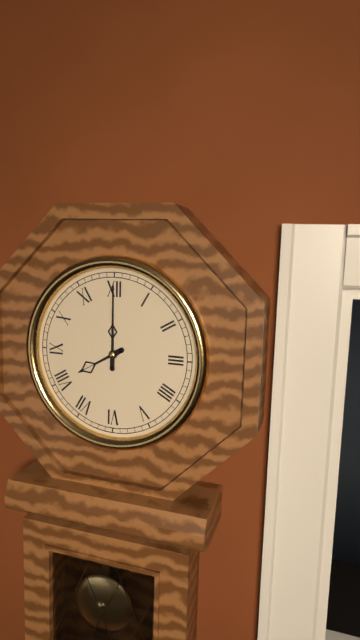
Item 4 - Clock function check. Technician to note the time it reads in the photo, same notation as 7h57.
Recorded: 8h00
